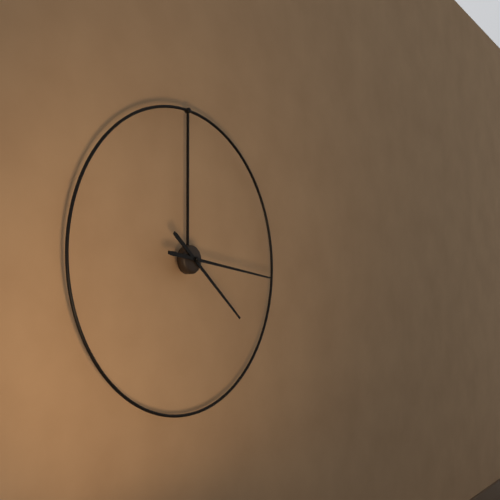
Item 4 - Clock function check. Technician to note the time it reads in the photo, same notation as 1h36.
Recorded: 4h16
